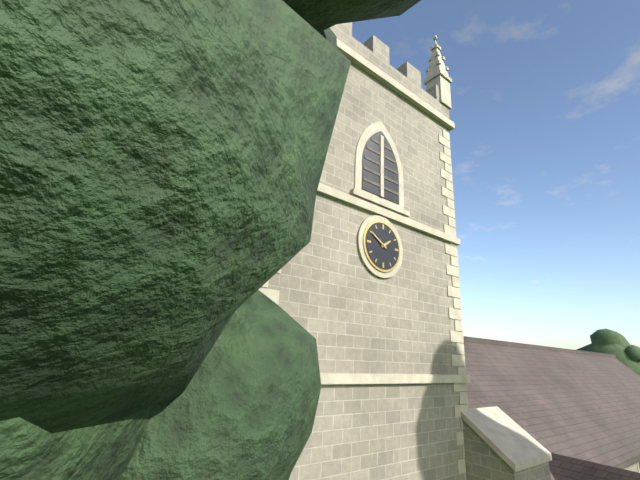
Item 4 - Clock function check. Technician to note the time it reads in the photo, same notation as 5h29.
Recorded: 1h50
